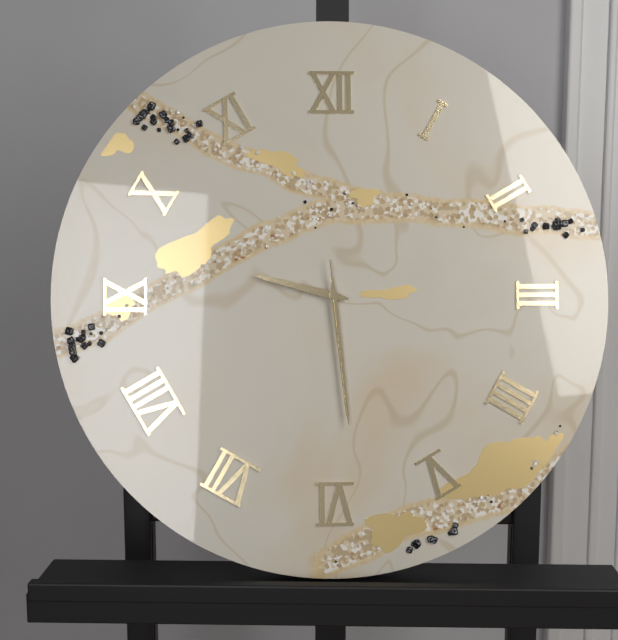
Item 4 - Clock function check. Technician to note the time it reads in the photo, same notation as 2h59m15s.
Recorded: 9h29m29s
